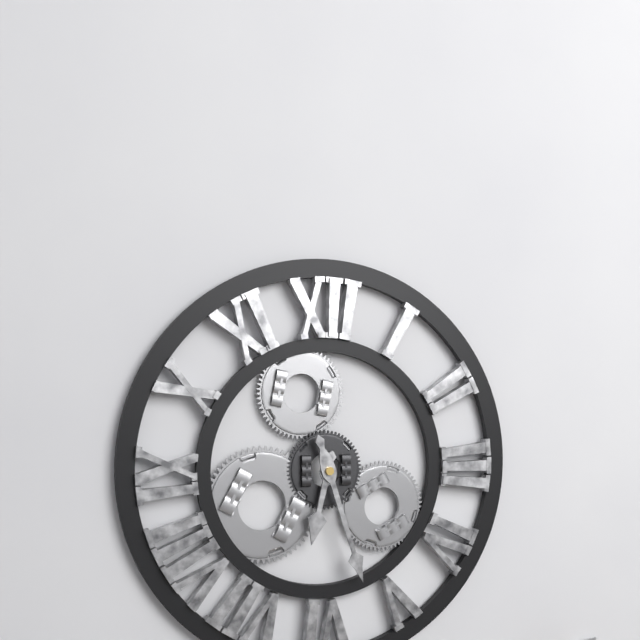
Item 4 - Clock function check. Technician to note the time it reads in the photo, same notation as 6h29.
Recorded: 6h27
